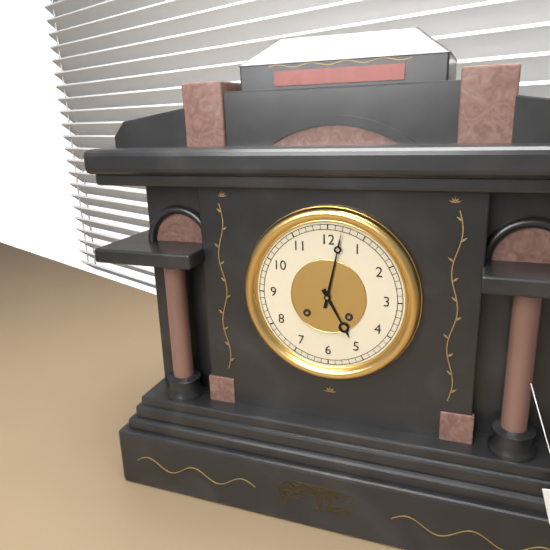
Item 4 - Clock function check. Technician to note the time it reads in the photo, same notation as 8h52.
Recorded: 5h02
